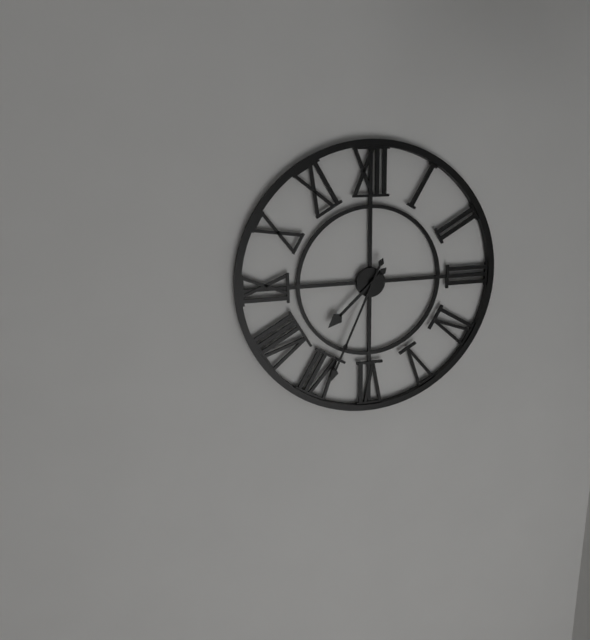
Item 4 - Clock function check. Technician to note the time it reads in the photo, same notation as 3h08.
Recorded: 7h34
